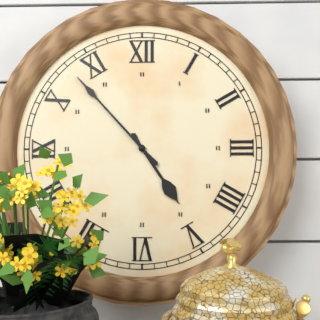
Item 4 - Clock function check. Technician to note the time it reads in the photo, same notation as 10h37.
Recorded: 4h53
